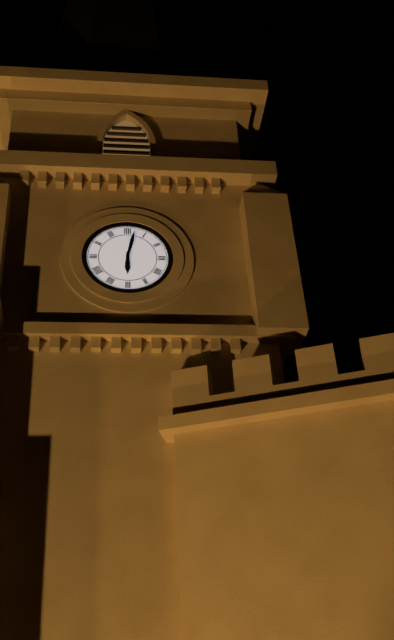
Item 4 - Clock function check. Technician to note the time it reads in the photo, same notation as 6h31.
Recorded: 6h02
